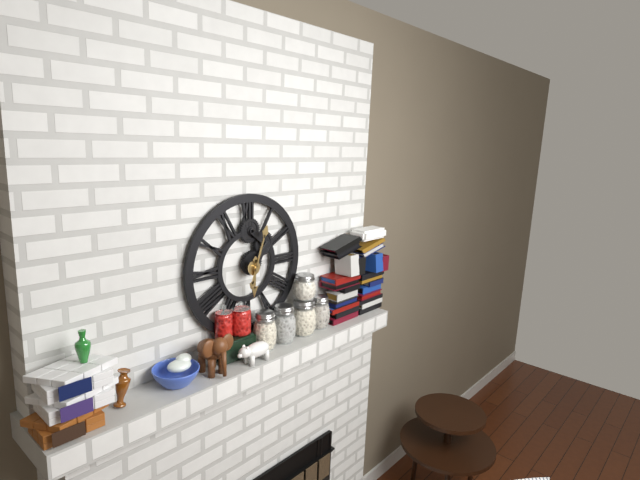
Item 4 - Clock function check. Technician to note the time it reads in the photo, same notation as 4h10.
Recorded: 6h03
